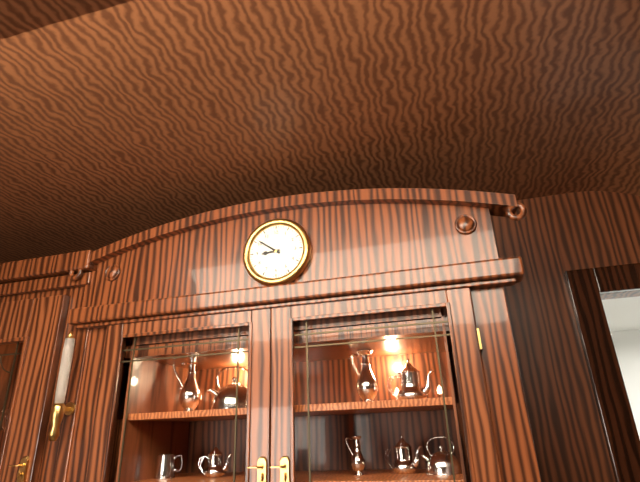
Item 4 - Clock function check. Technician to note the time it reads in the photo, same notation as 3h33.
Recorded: 8h51
